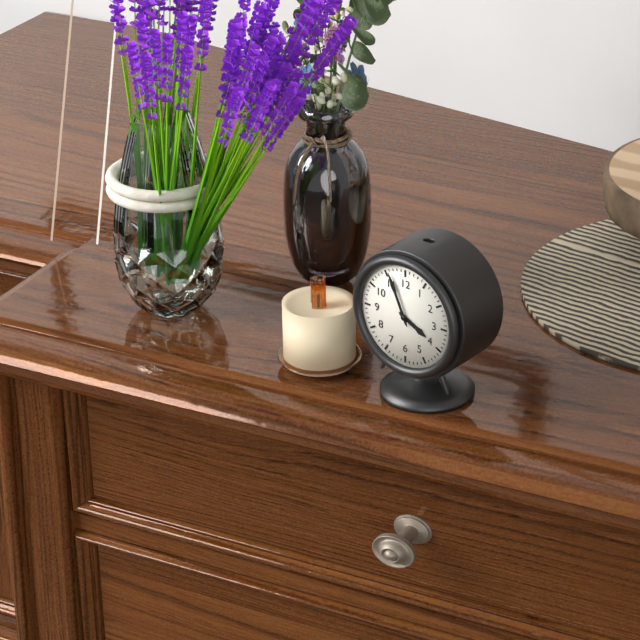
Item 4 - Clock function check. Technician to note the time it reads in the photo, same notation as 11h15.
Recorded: 3h56
